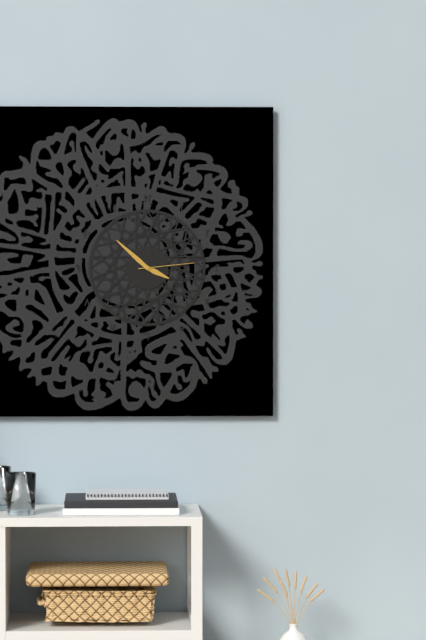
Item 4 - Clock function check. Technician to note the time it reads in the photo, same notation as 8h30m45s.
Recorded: 3h52m14s
